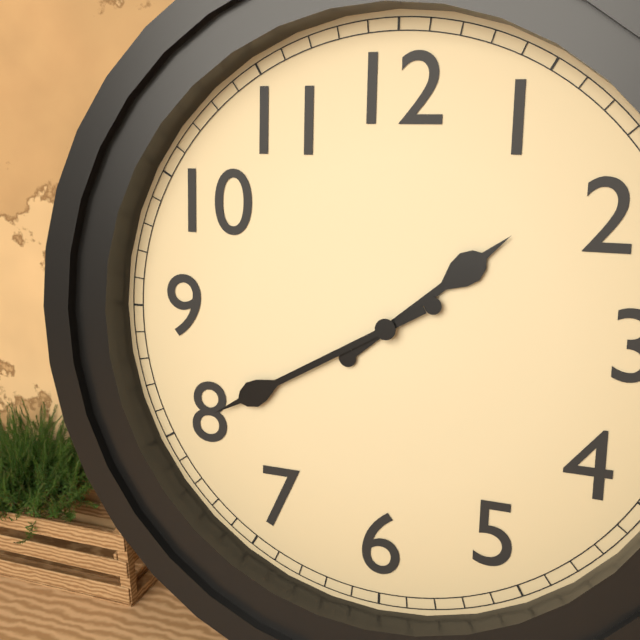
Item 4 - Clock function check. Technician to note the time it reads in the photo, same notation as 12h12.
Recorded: 1h40
